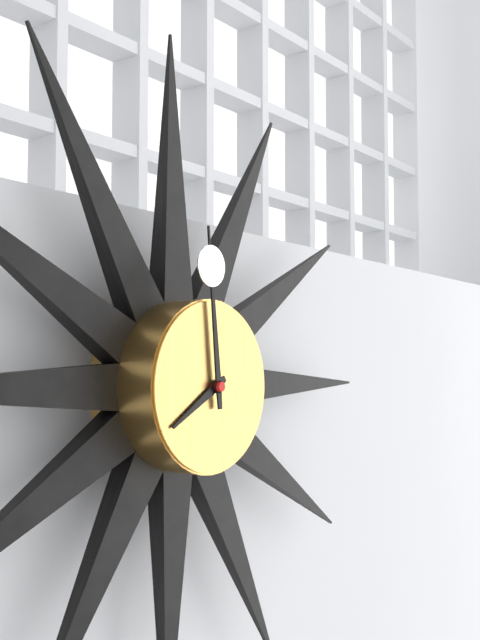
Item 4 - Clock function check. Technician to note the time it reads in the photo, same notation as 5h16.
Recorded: 7h59
